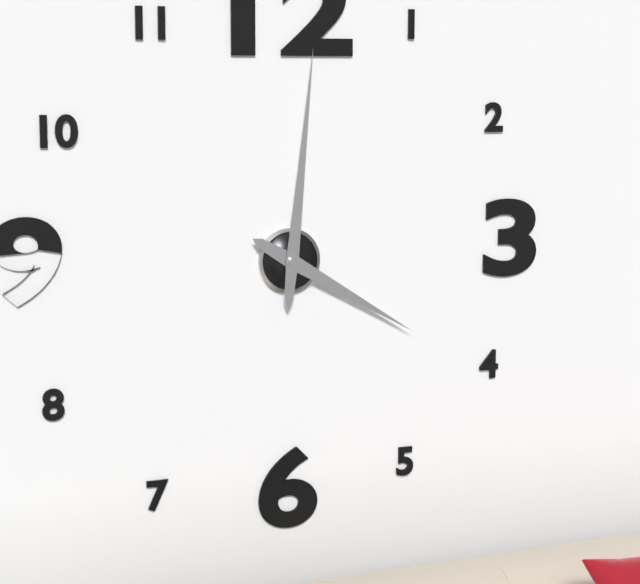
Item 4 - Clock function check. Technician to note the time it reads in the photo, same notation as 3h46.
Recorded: 4h01
